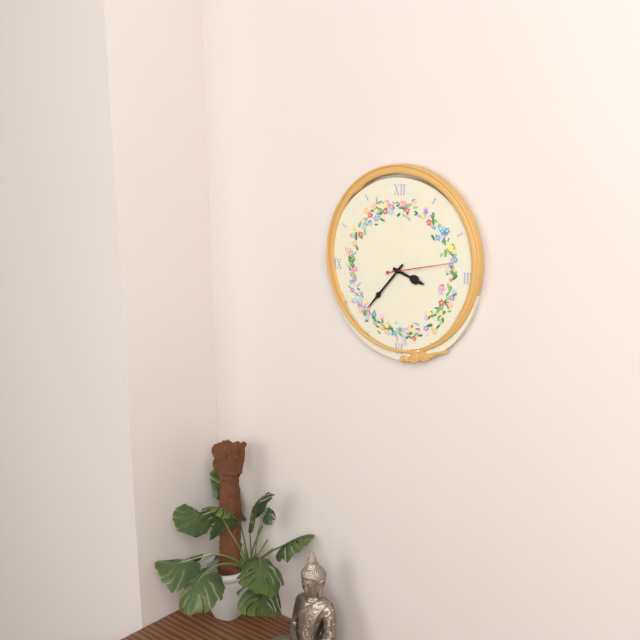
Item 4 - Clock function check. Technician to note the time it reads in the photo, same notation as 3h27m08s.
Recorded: 3h37m13s
